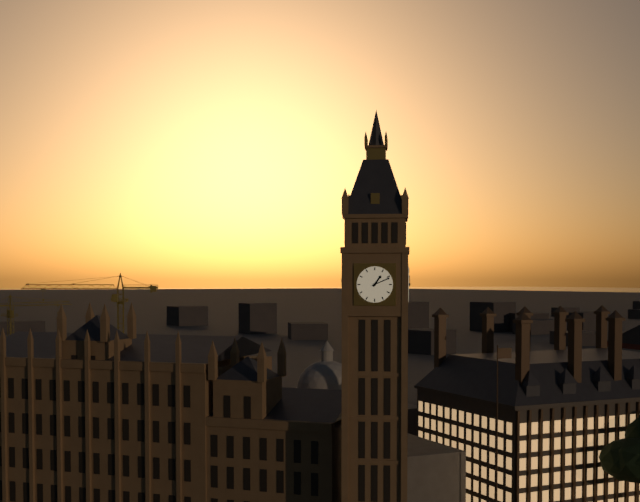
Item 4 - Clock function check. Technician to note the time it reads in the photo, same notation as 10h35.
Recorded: 1h11
